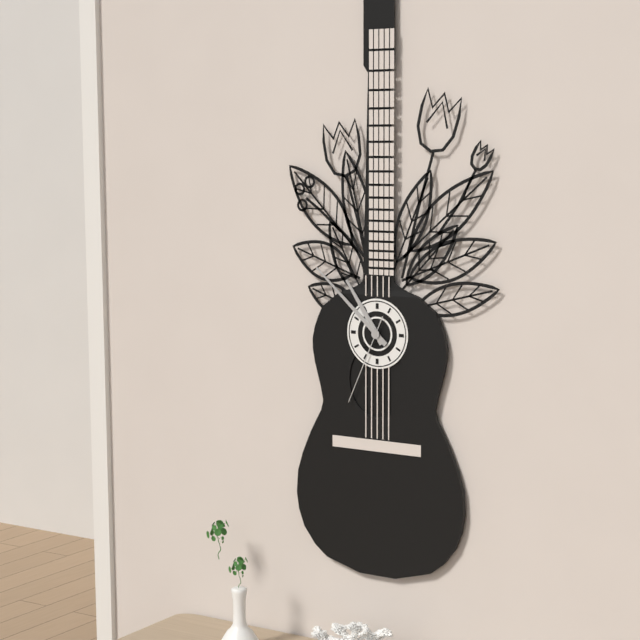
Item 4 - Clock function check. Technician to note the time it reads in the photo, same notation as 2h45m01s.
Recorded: 10h52m34s
